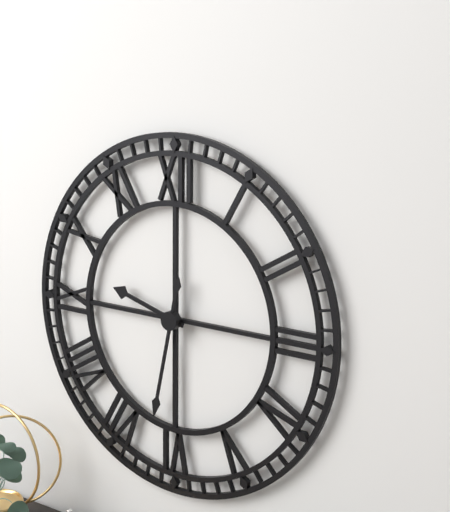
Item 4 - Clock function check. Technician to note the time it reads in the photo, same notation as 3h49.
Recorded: 9h32
